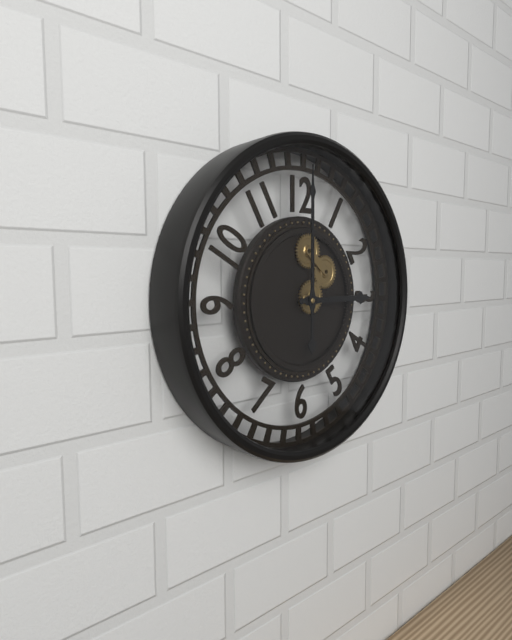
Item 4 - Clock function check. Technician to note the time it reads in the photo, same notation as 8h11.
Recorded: 3h00
